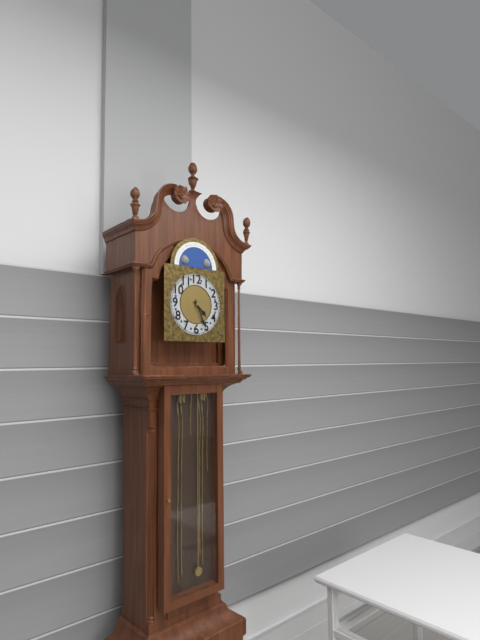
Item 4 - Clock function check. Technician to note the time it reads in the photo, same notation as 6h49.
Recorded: 4h26
